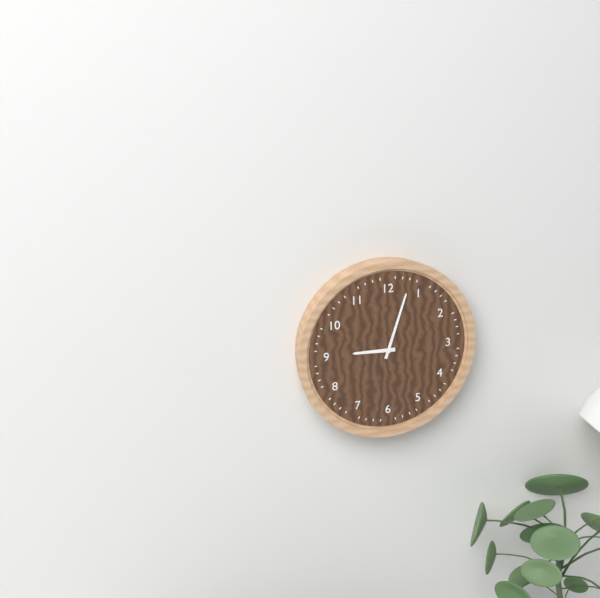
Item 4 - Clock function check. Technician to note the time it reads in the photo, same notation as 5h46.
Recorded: 9h03
